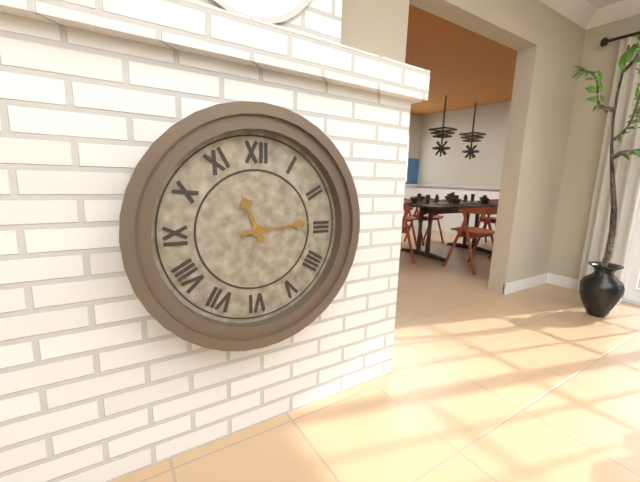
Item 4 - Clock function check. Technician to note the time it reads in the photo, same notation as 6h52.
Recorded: 11h14
